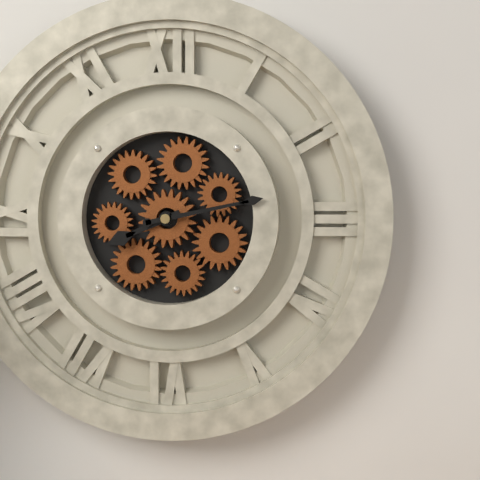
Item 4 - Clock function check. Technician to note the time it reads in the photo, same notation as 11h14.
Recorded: 8h13
